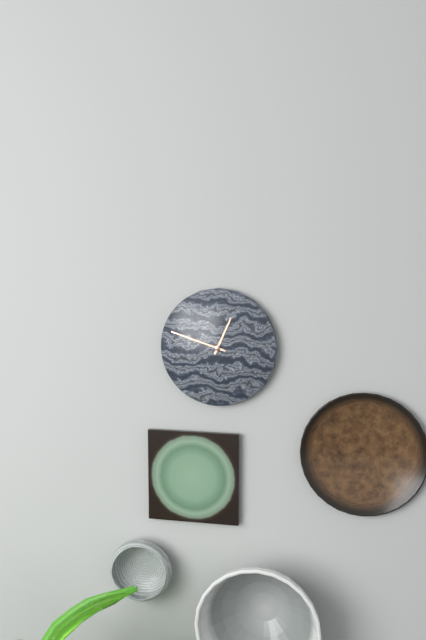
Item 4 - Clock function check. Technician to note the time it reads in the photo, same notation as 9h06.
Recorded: 12h48
